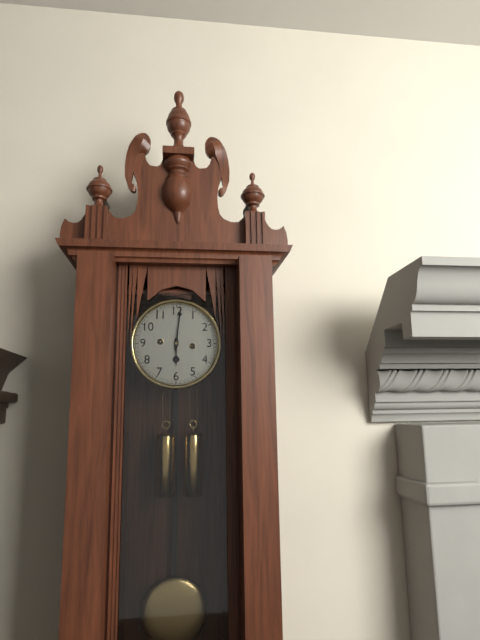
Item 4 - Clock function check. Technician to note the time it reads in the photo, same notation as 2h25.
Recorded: 6h01
